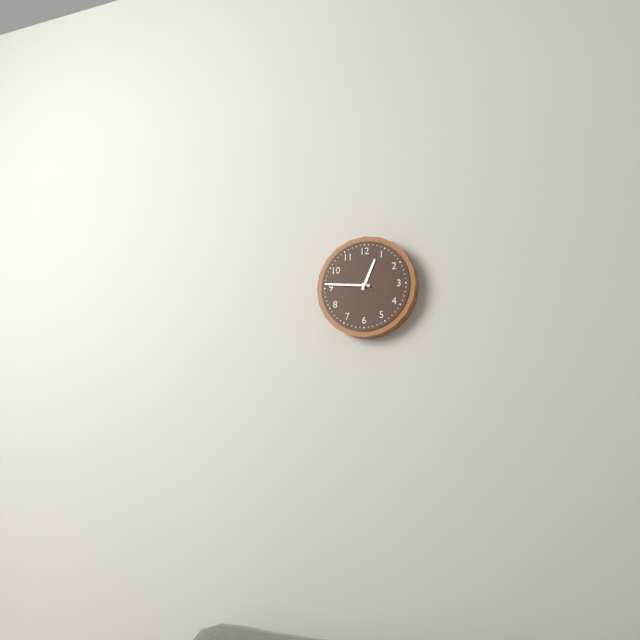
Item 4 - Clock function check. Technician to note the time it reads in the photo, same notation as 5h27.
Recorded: 12h46
